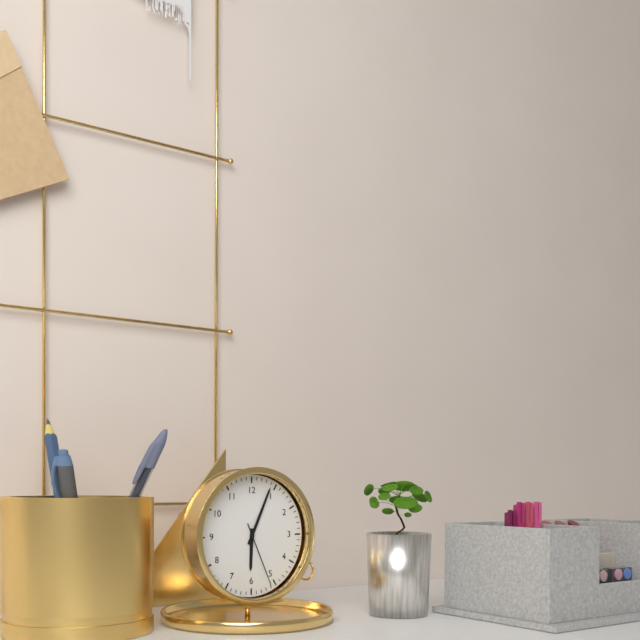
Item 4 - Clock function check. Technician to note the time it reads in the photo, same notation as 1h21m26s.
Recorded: 6h04m26s
